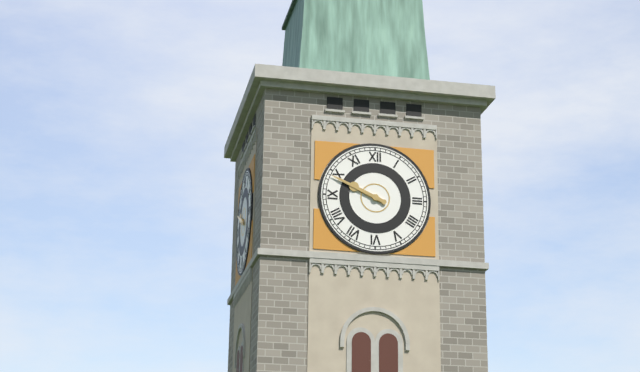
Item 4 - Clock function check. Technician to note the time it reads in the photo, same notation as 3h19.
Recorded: 9h49
